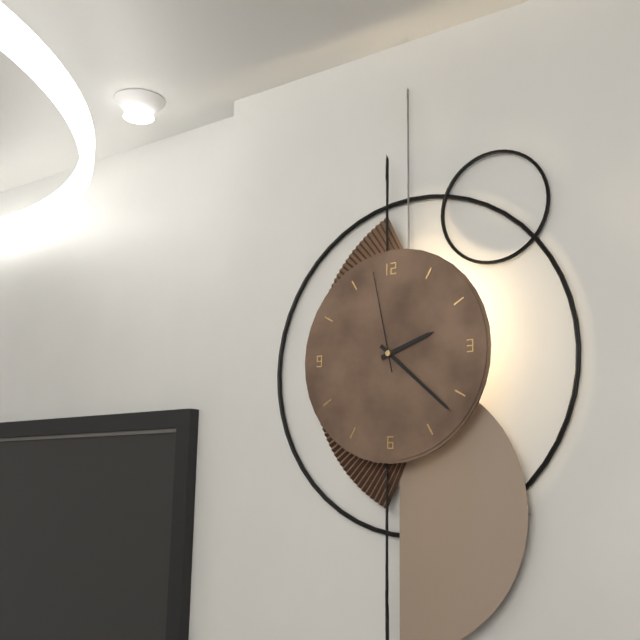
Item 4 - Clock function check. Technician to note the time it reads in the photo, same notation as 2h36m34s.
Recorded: 2h22m58s
